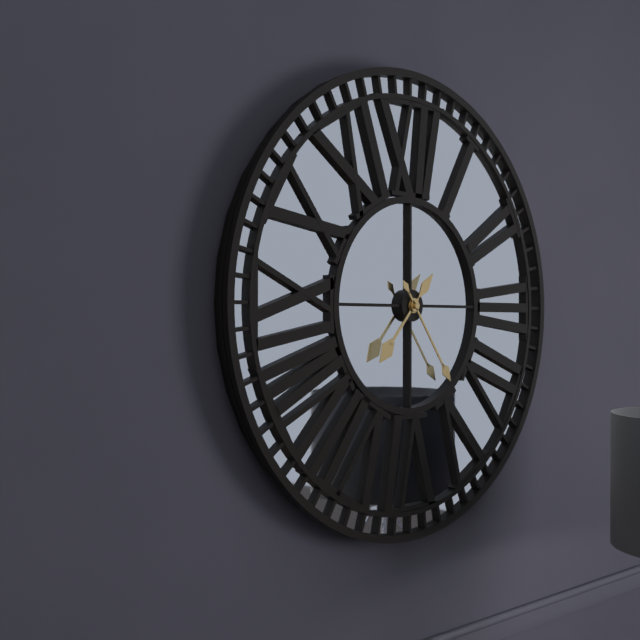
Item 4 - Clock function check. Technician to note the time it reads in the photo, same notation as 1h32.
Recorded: 7h24
